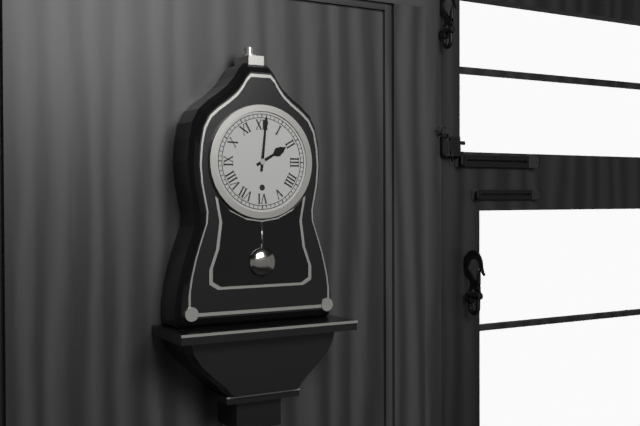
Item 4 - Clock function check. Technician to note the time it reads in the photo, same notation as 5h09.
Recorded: 2h01
